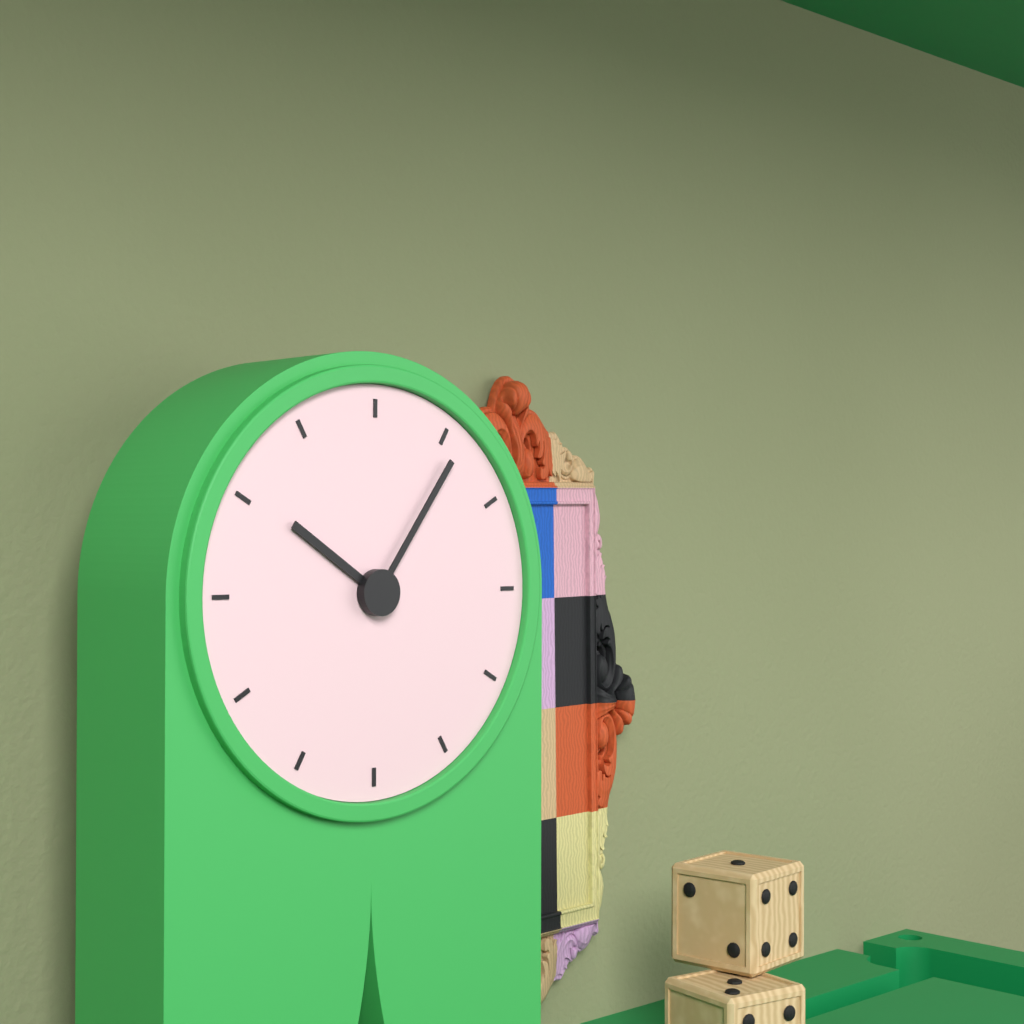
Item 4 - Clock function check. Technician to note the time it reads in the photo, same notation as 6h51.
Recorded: 10h06
